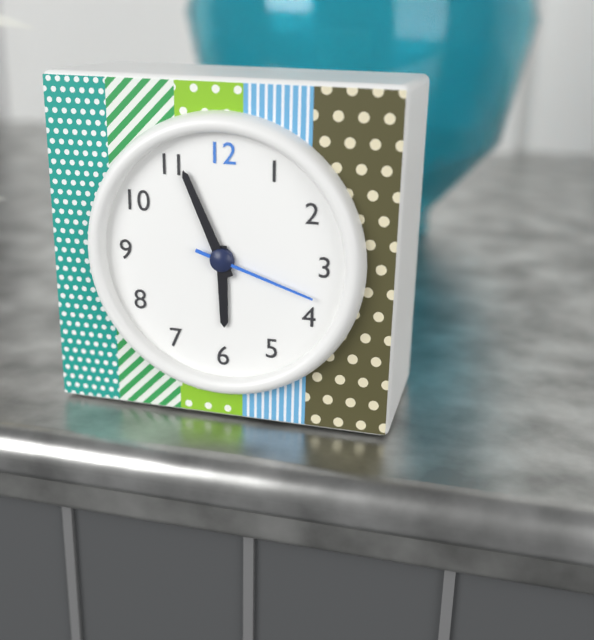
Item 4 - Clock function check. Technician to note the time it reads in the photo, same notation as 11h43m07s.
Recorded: 5h56m18s
